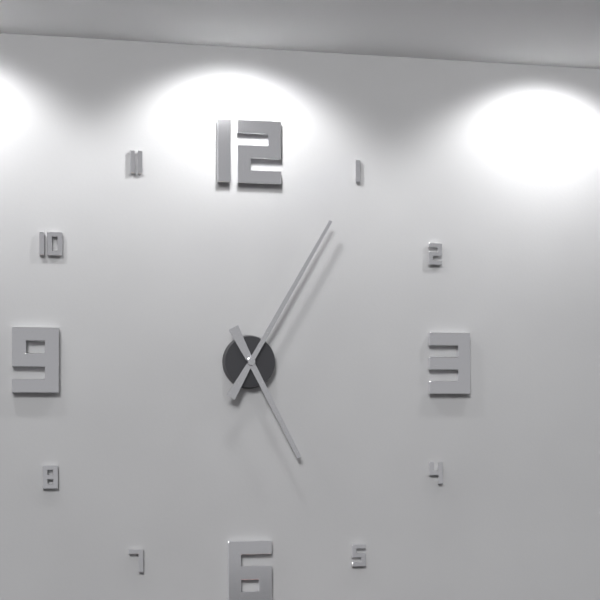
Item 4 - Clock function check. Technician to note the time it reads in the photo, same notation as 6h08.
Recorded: 5h05
